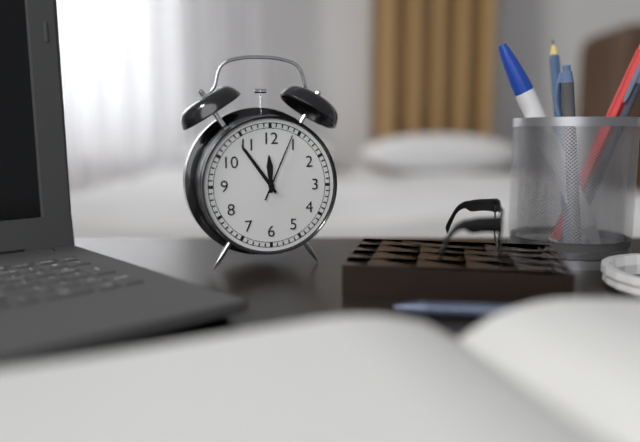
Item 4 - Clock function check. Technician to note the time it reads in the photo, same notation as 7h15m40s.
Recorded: 11h54m04s
